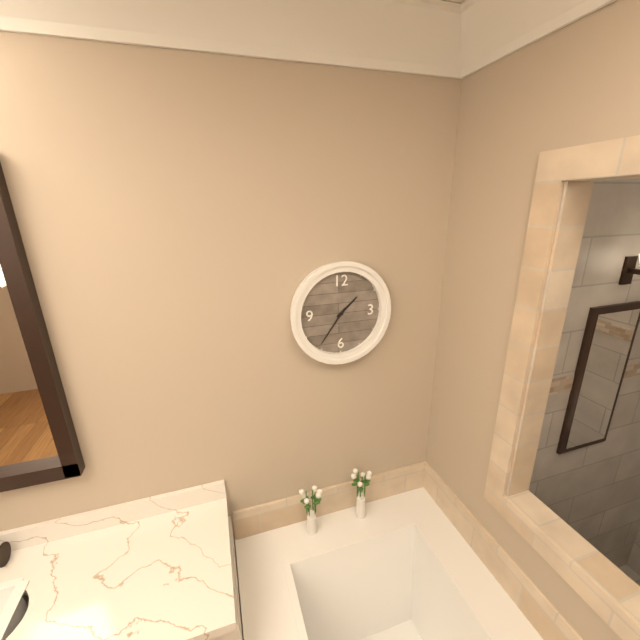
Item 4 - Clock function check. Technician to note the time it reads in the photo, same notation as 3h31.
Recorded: 1h36
